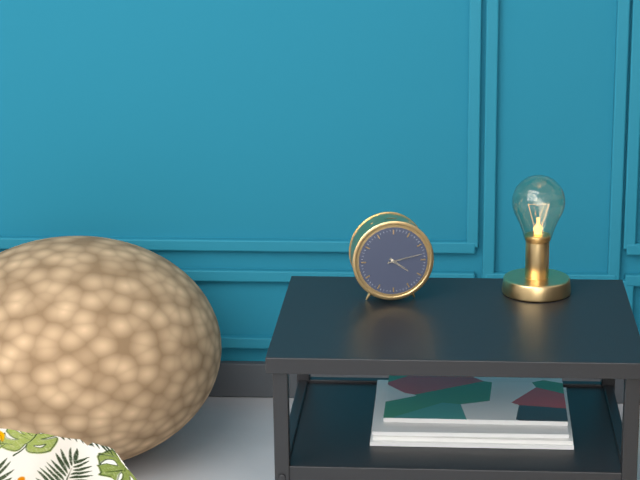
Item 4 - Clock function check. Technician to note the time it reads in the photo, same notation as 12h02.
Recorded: 4h13
